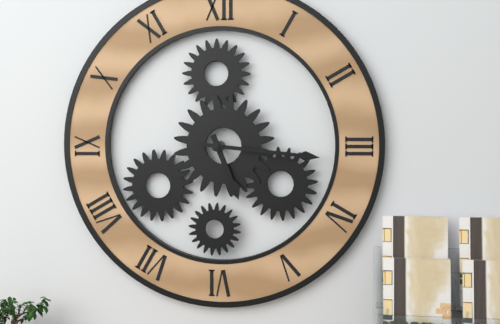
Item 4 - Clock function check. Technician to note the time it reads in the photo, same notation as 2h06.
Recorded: 5h16
